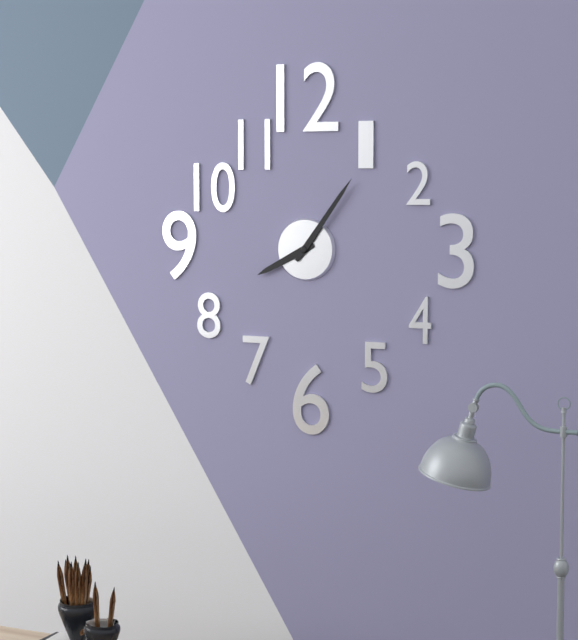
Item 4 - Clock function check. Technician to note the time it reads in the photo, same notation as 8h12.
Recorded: 8h06
